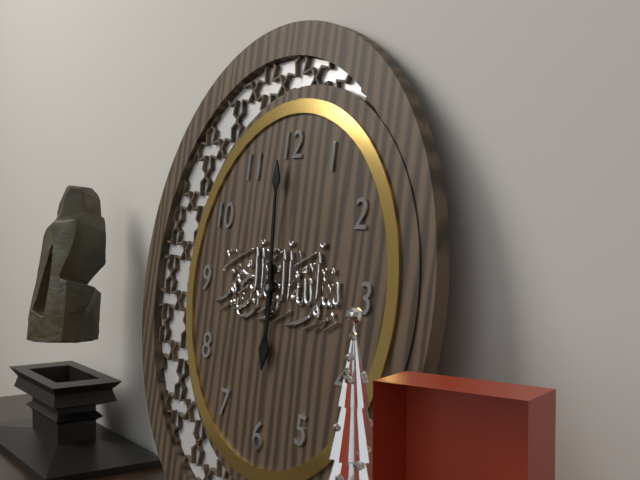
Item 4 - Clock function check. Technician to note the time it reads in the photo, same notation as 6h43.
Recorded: 5h59
